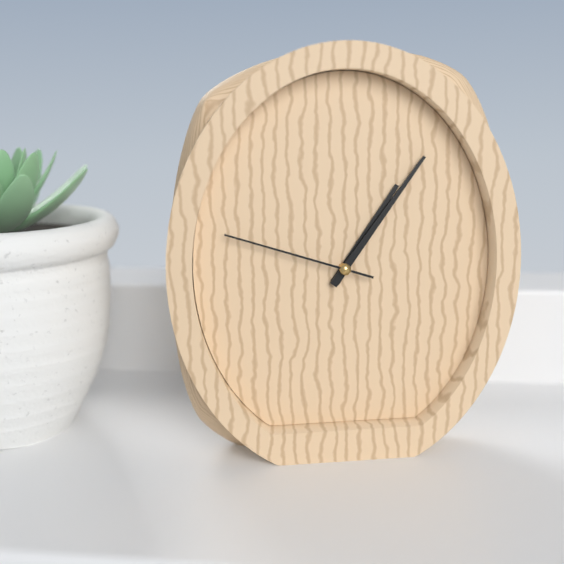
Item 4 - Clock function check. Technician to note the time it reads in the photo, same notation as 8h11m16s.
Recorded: 1h06m48s
